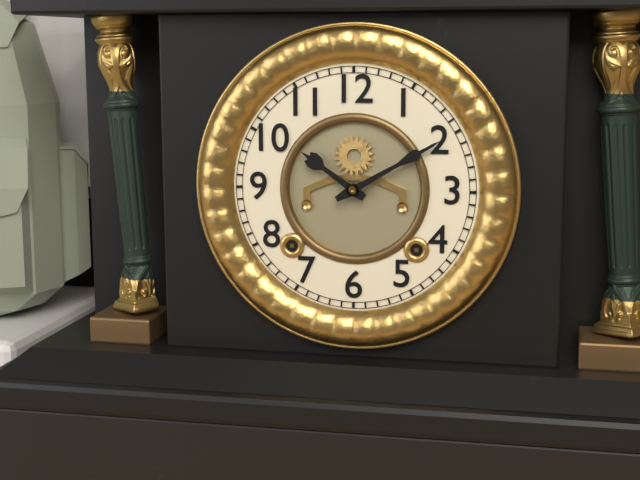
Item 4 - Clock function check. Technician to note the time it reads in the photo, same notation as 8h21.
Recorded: 10h10
